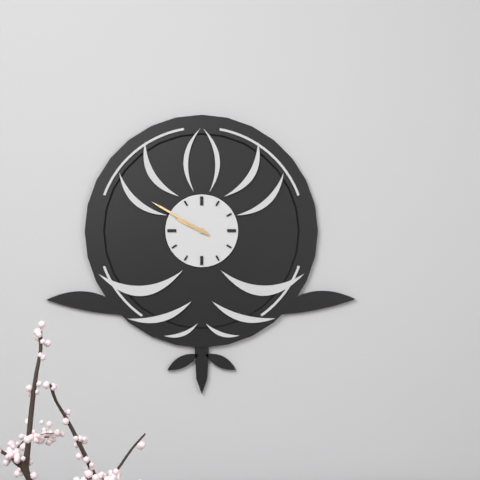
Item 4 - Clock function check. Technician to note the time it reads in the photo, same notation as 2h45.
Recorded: 9h50
